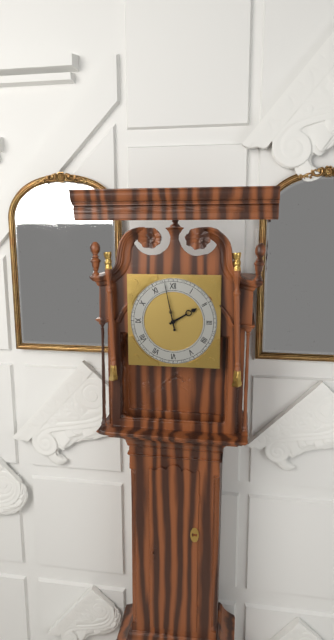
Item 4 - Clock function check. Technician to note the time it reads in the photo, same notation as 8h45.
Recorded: 1h58
